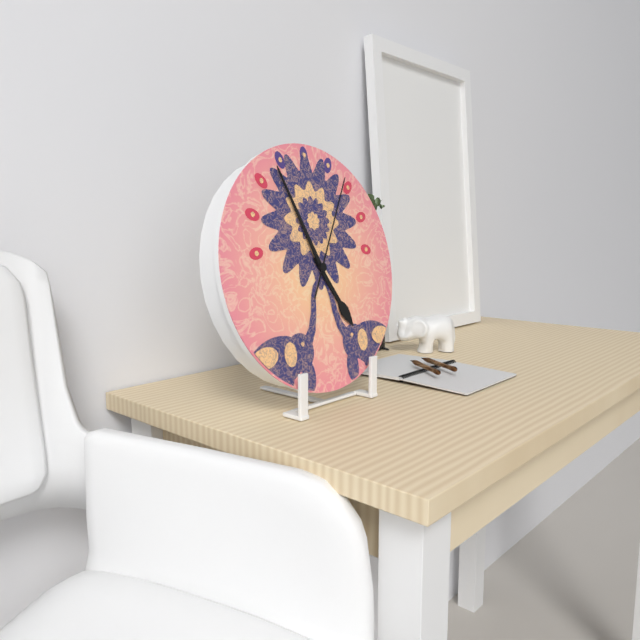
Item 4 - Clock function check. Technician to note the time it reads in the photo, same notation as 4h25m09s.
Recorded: 4h56m05s
